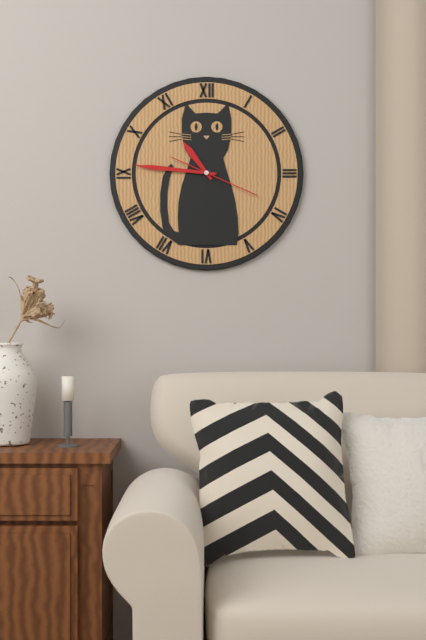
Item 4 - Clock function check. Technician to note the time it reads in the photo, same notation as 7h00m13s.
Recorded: 10h46m19s
